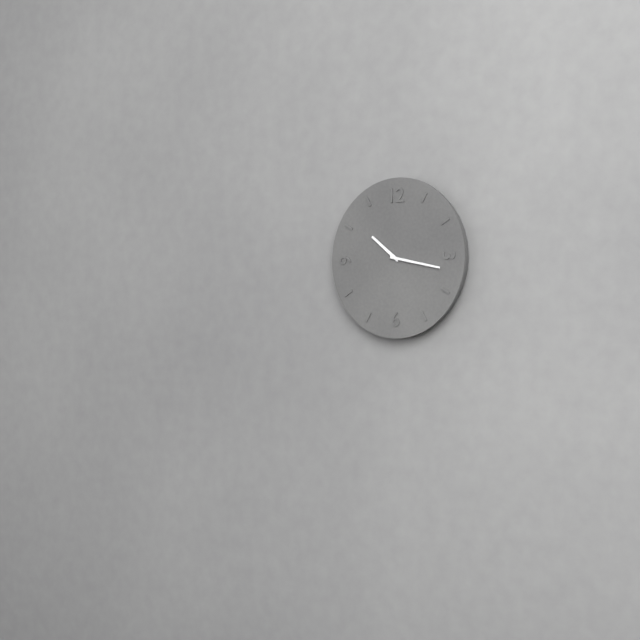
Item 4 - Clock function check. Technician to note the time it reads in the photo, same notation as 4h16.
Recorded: 10h17
